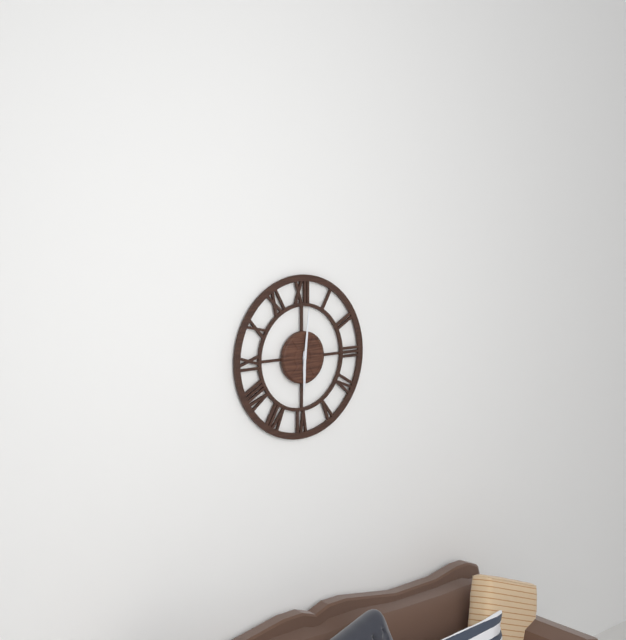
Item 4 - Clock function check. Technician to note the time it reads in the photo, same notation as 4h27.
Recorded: 6h01
